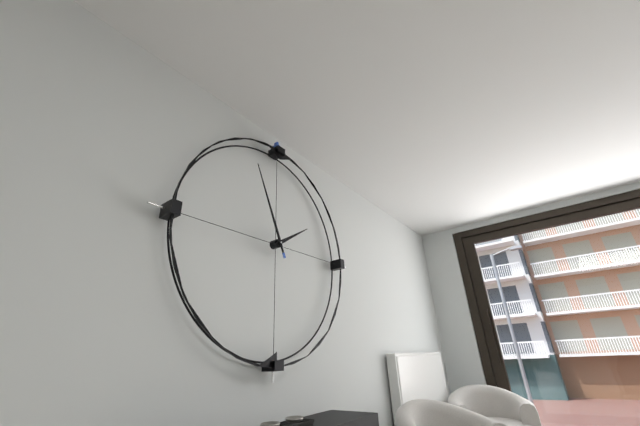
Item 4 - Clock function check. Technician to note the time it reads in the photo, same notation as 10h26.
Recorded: 1h56
